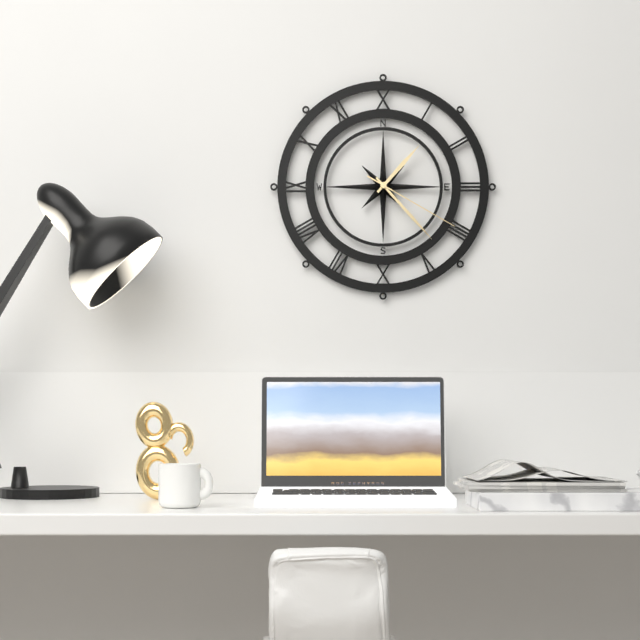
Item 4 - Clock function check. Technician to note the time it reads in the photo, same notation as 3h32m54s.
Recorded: 1h23m20s
